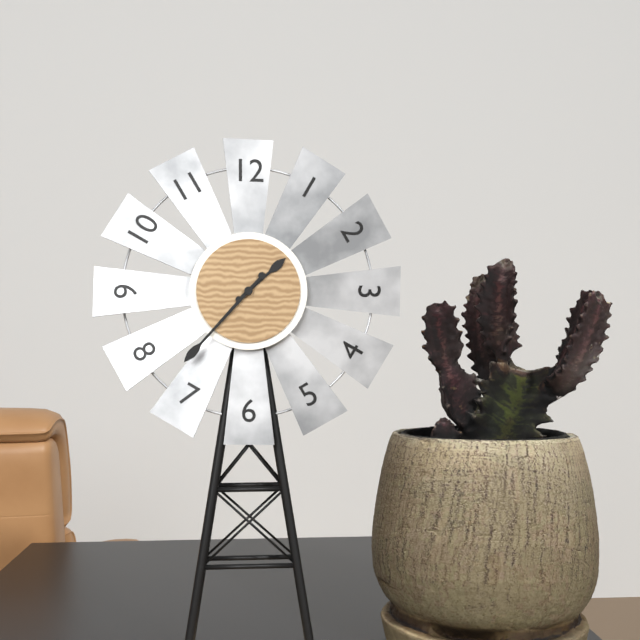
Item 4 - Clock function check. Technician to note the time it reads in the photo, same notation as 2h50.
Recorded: 1h37
